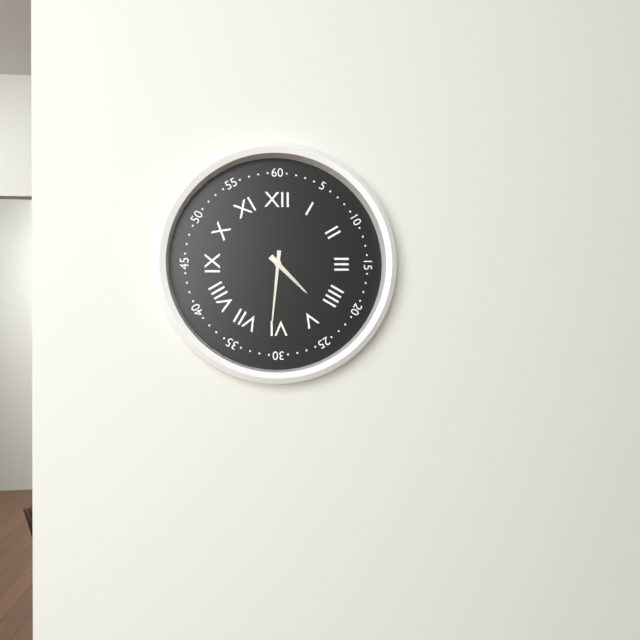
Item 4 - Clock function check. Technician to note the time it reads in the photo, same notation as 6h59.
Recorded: 4h31
